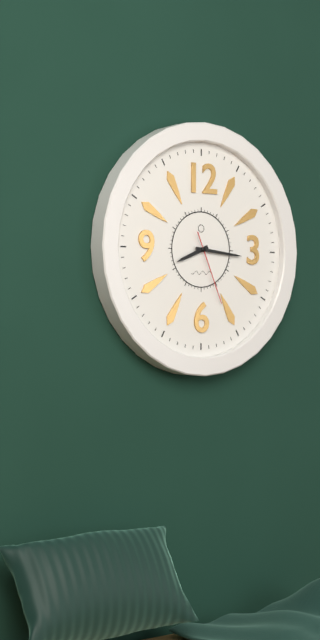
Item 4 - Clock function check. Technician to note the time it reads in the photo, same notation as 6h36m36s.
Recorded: 8h16m26s
